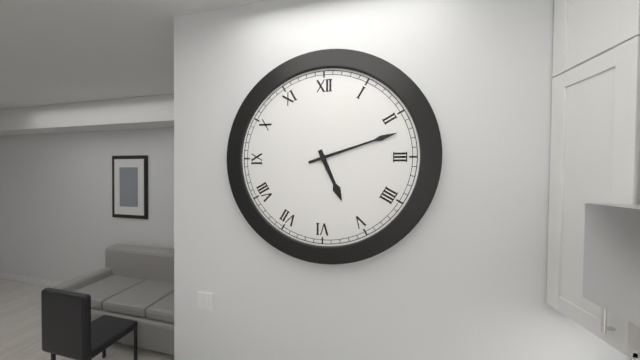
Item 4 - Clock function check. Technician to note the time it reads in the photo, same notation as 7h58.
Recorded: 5h12
